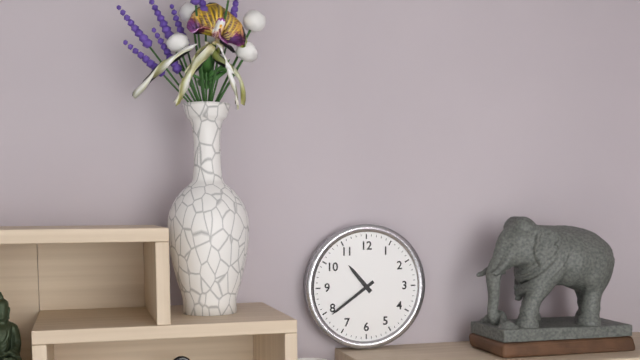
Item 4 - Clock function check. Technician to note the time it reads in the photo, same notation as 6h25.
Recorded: 10h39
